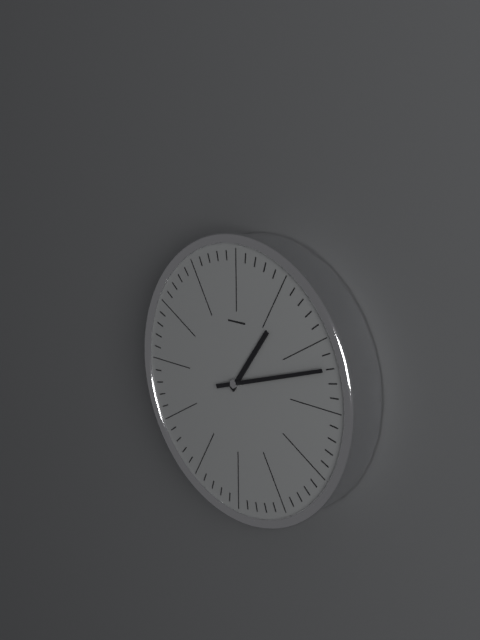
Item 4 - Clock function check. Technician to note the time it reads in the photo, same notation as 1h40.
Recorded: 1h12
